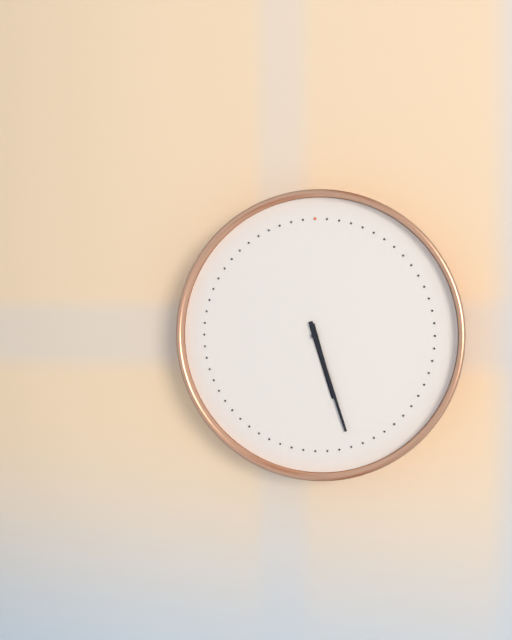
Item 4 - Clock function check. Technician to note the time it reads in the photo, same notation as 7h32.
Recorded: 5h27
